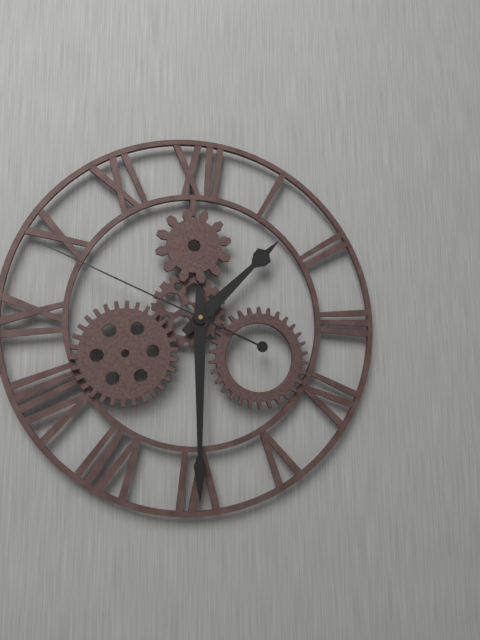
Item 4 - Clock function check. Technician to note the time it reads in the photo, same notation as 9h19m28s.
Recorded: 1h30m49s
